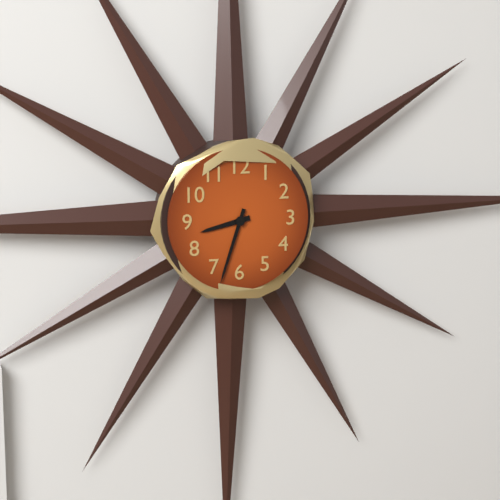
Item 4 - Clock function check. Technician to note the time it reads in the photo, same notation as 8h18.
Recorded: 8h33
